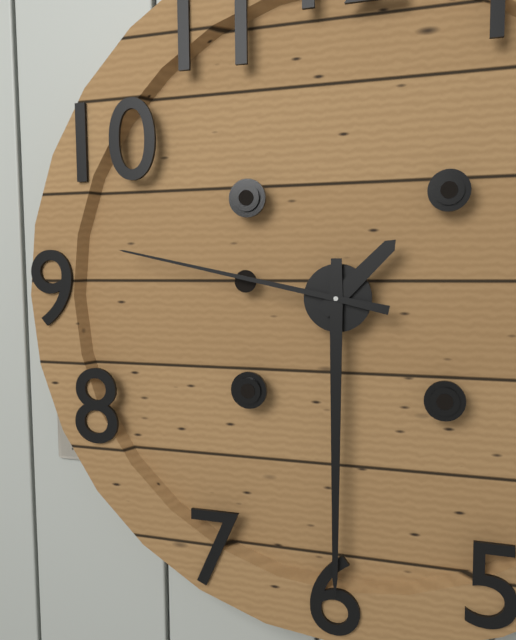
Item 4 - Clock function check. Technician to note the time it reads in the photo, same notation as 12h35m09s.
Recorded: 1h30m47s
